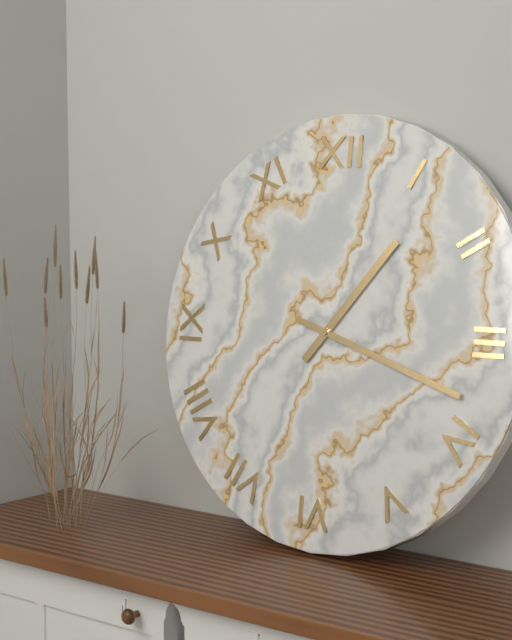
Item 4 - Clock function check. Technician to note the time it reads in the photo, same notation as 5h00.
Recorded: 1h18
